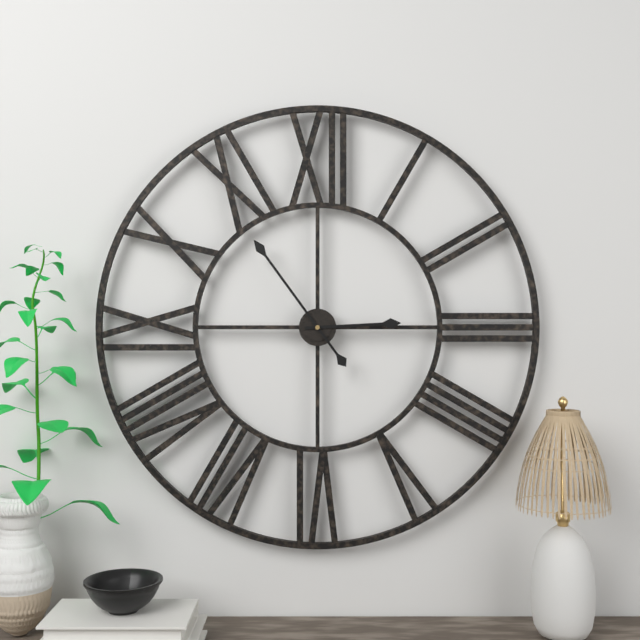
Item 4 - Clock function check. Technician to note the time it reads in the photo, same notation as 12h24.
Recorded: 2h54
